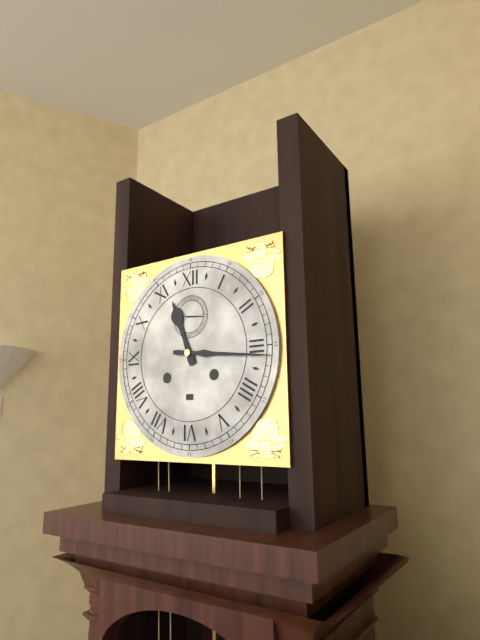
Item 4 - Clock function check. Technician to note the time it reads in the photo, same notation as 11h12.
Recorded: 11h16
